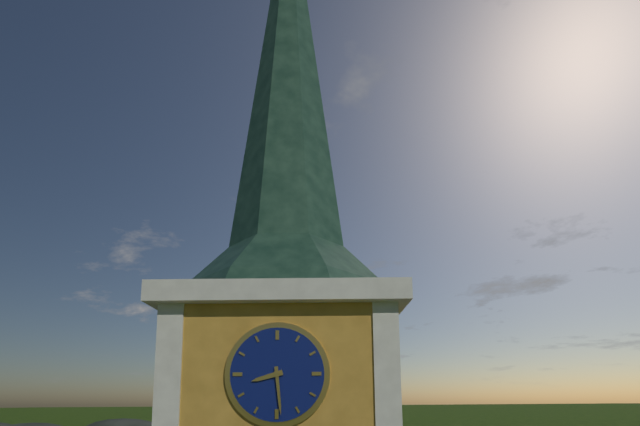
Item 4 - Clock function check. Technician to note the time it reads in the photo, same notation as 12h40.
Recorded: 8h29
